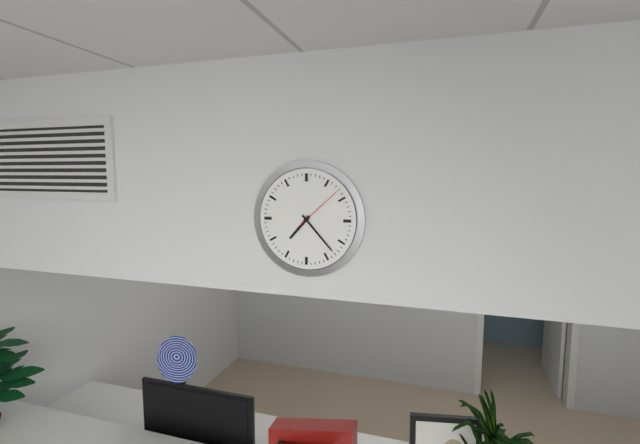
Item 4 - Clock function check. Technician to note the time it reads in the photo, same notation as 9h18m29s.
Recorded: 7h23m08s
